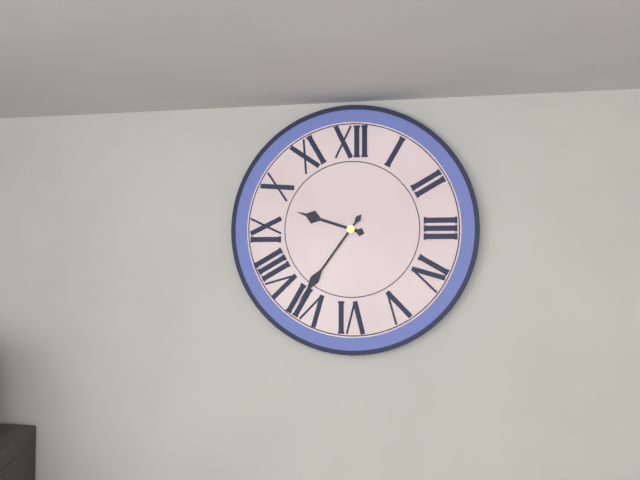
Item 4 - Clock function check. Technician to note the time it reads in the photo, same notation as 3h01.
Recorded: 9h36
